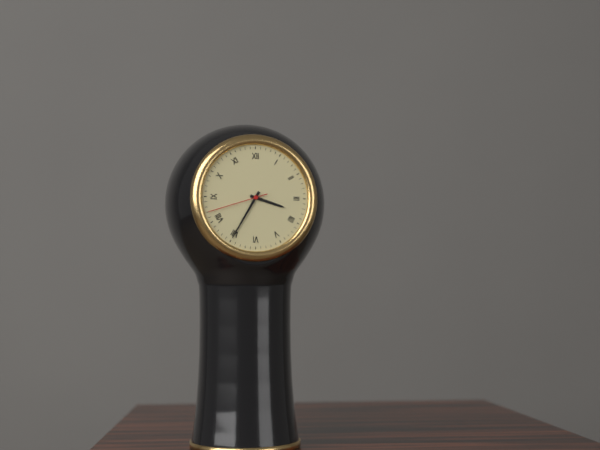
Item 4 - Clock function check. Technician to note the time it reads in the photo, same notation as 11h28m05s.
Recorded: 3h35m42s
